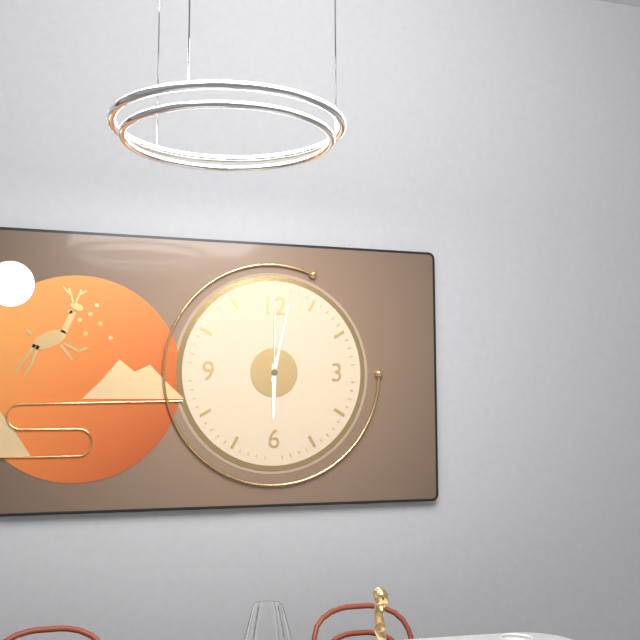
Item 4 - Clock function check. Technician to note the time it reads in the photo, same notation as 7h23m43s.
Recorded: 6h02m00s
